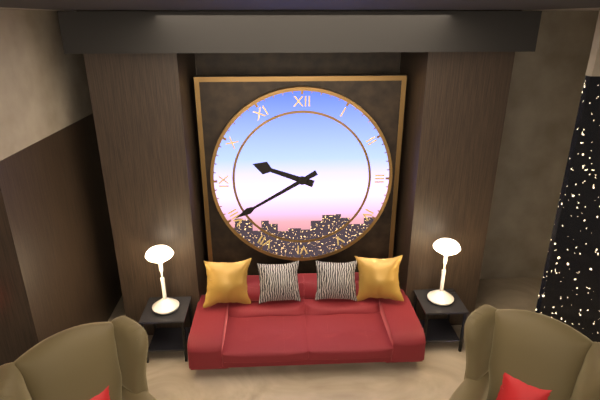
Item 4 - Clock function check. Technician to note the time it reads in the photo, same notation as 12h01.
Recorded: 9h40
